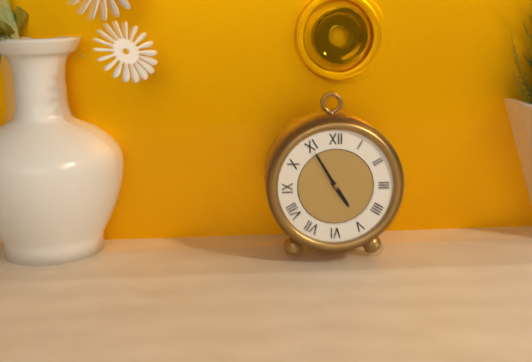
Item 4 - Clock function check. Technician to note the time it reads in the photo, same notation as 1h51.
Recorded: 4h55
